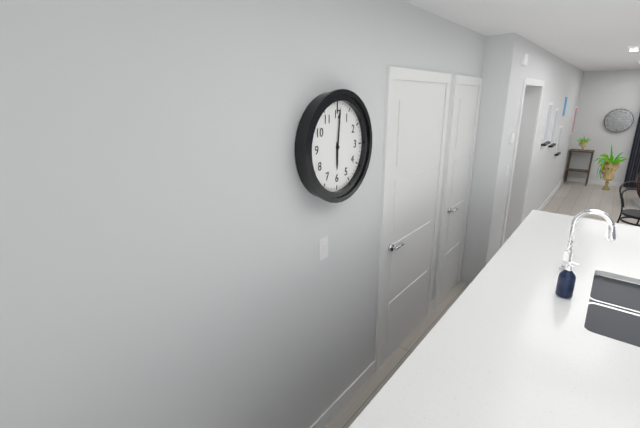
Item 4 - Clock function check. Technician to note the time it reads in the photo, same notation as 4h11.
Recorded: 6h01
